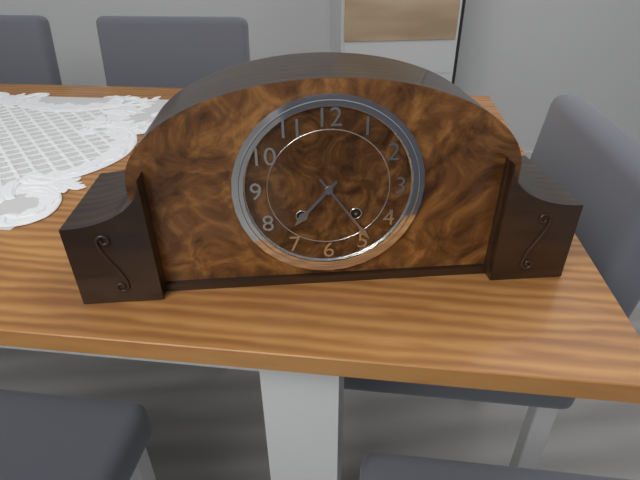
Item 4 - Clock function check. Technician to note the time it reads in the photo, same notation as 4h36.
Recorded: 7h24
